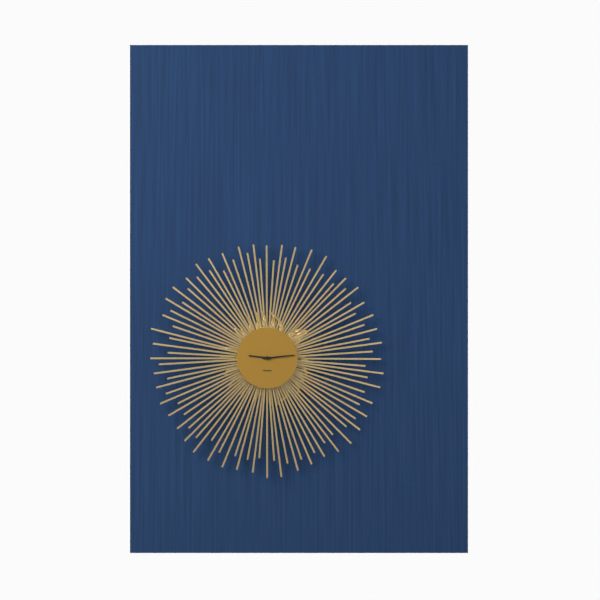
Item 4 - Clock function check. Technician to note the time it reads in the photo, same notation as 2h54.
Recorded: 9h14
